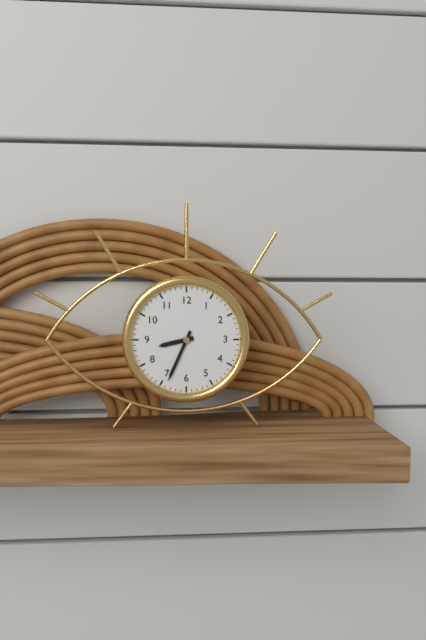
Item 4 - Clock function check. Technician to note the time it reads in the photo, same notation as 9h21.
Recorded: 8h34
